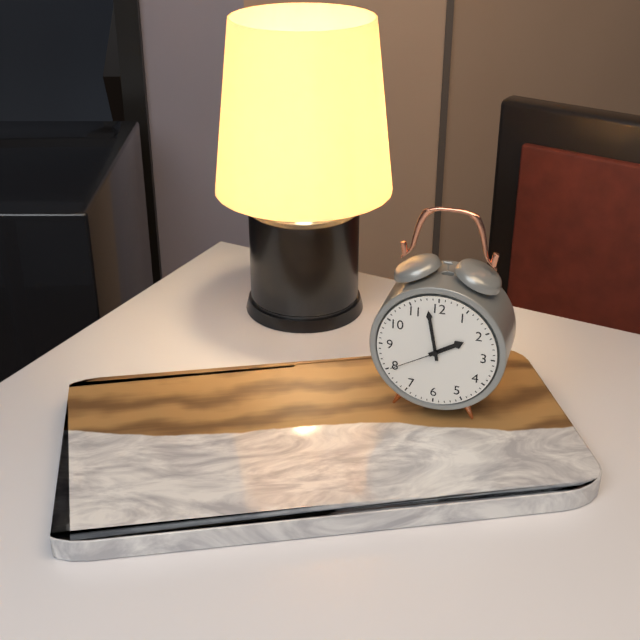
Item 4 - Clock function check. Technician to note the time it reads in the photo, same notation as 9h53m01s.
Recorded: 1h58m40s
